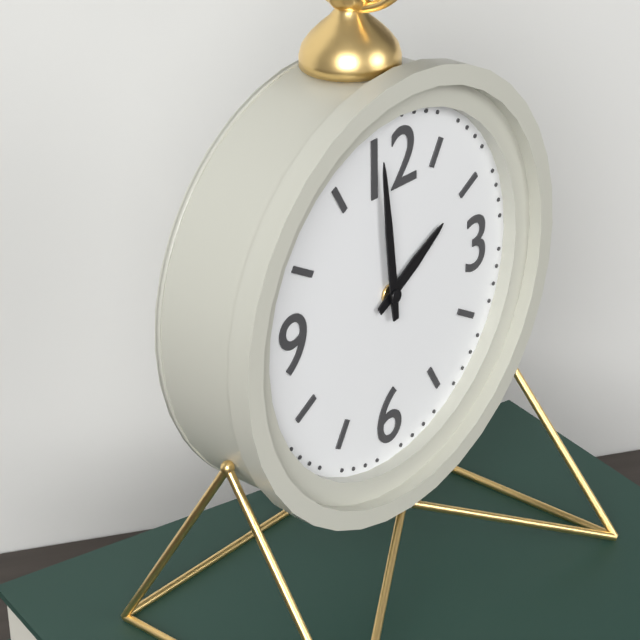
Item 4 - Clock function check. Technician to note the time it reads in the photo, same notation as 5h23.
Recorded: 1h59
